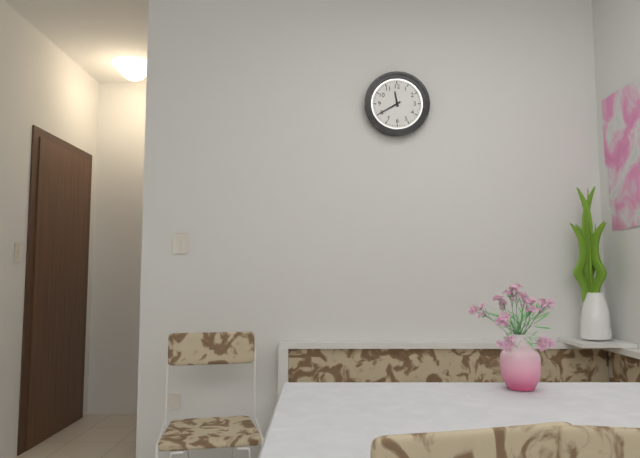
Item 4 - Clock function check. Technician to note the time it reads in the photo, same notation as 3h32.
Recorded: 11h40
